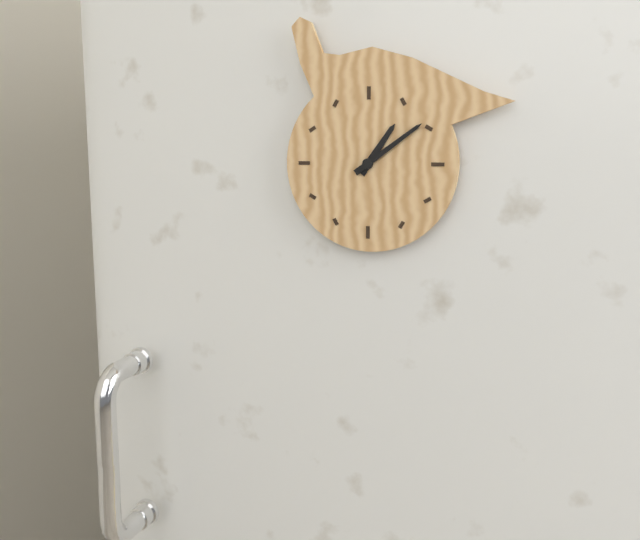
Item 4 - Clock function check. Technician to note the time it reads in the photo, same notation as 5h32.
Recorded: 1h09
